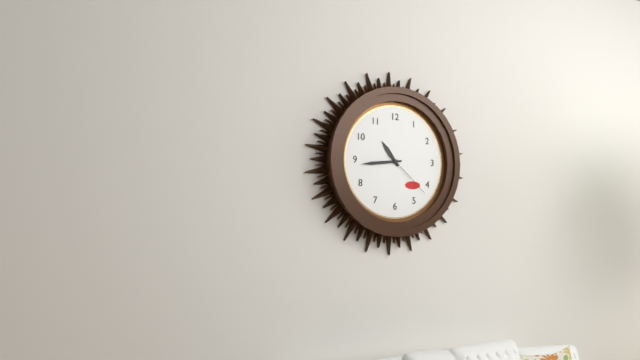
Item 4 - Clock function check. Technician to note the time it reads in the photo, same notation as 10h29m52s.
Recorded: 10h44m22s
